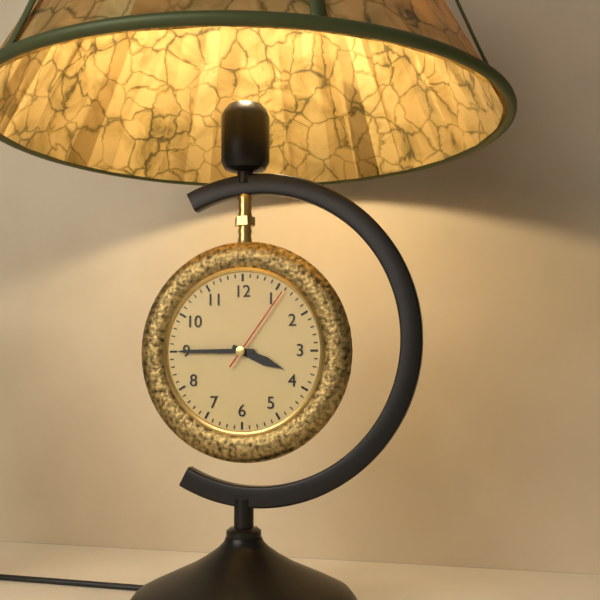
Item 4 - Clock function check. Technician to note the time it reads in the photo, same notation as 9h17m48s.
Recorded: 3h45m06s
